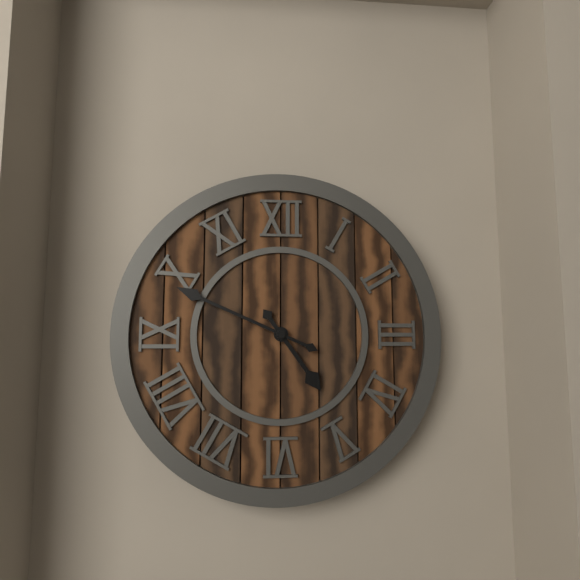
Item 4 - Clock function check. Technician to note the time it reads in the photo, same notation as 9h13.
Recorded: 4h49
